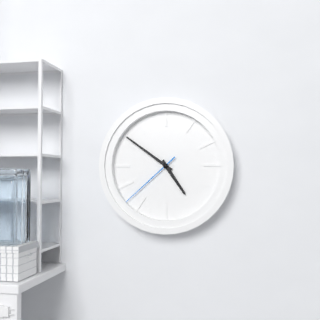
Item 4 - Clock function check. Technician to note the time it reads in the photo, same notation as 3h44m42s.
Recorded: 4h51m38s
